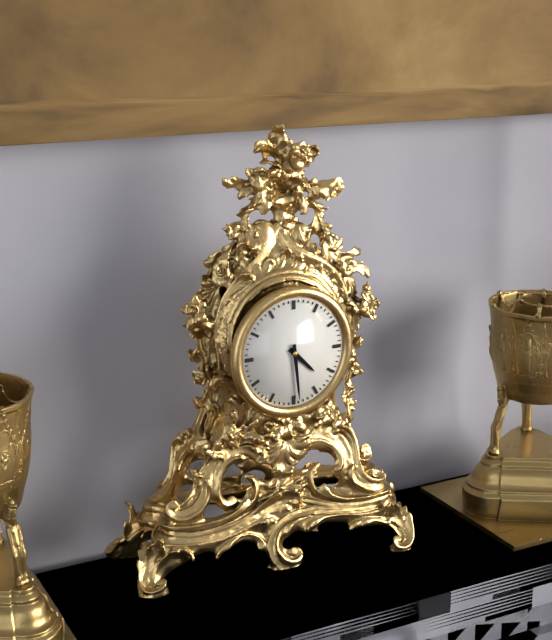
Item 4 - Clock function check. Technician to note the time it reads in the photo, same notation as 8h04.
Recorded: 4h29
